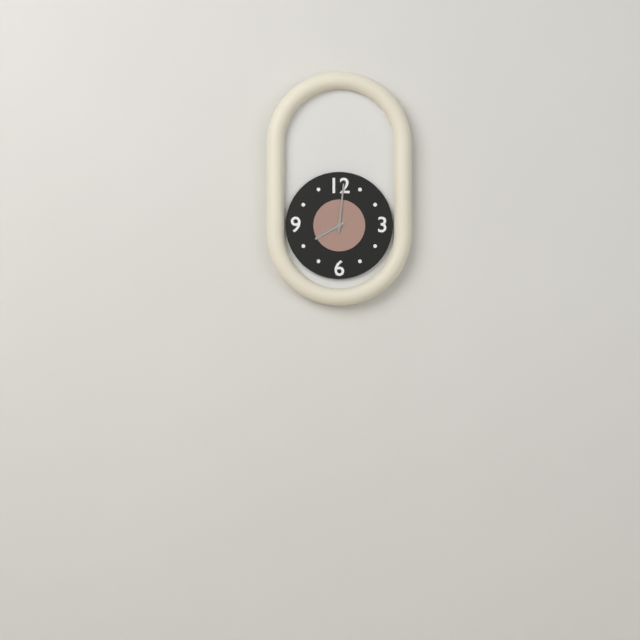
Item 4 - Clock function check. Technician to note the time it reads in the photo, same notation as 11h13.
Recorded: 8h01
